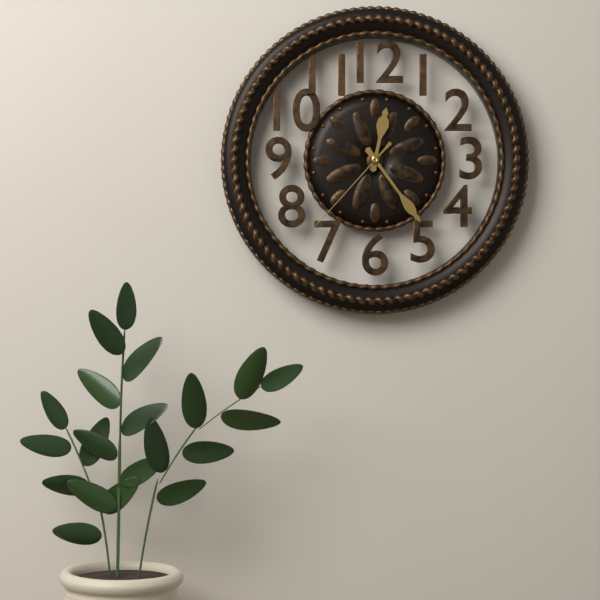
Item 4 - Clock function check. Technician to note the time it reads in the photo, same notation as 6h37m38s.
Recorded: 12h24m37s
